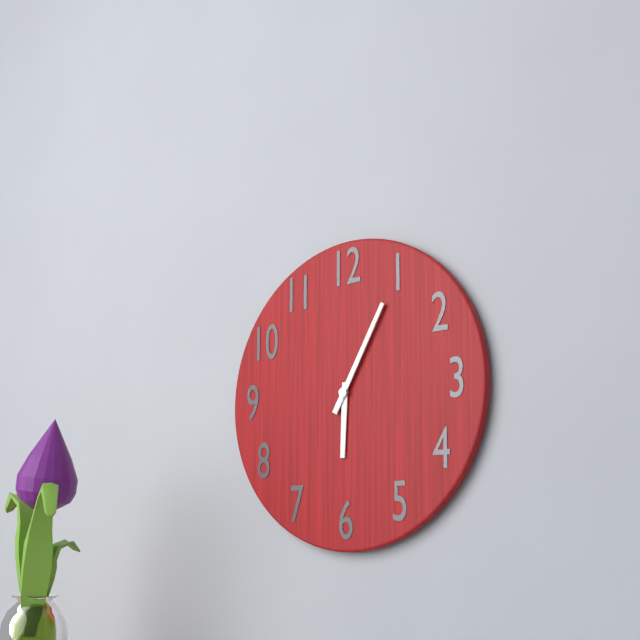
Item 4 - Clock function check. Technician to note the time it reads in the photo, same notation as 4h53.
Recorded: 6h05
